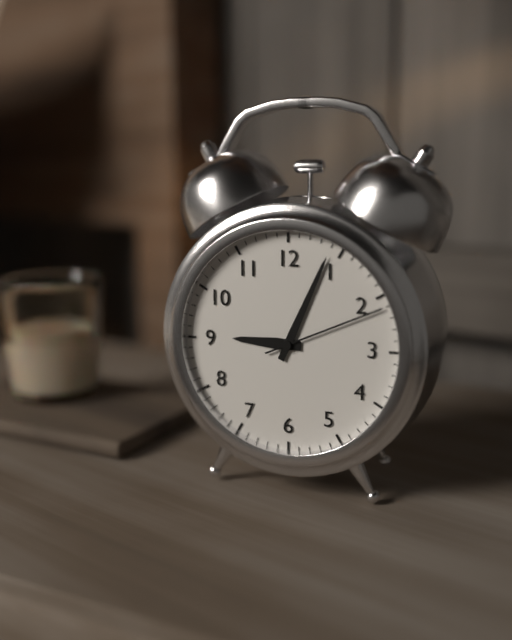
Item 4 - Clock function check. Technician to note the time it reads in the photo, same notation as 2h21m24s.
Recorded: 9h04m11s
